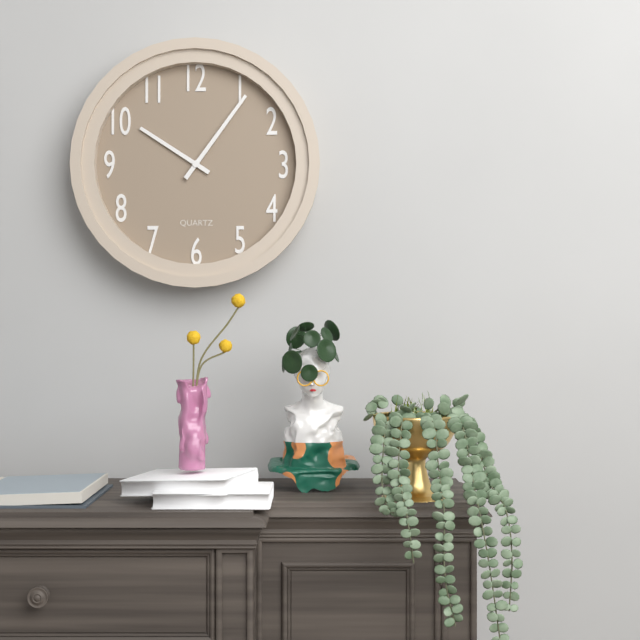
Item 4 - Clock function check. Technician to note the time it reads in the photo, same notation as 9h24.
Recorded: 10h06
